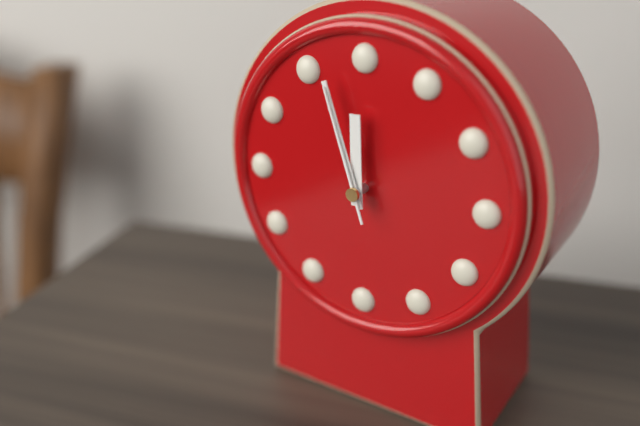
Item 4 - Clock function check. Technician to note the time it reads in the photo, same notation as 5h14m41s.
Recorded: 11h57m57s
